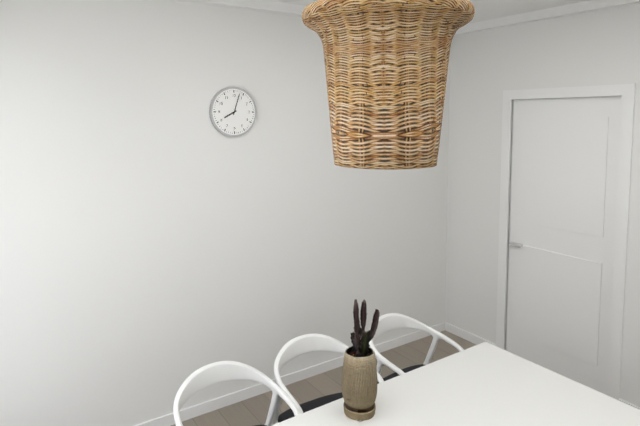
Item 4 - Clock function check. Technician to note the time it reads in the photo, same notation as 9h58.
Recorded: 8h03
